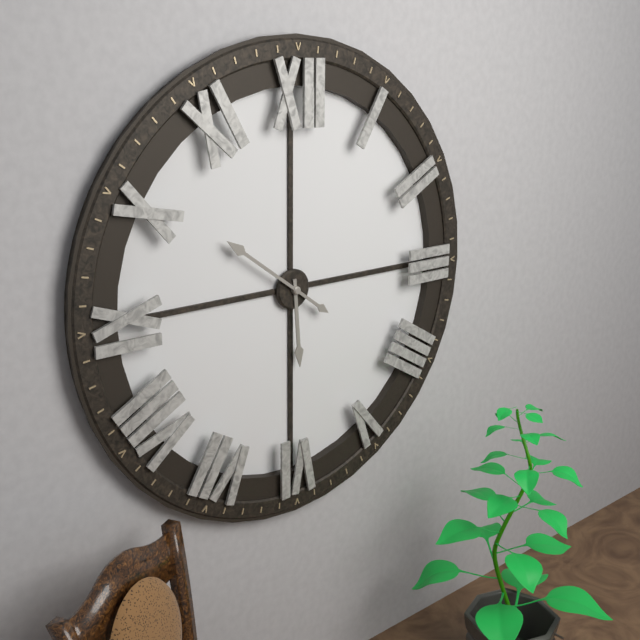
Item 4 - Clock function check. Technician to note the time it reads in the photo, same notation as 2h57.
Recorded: 5h51
